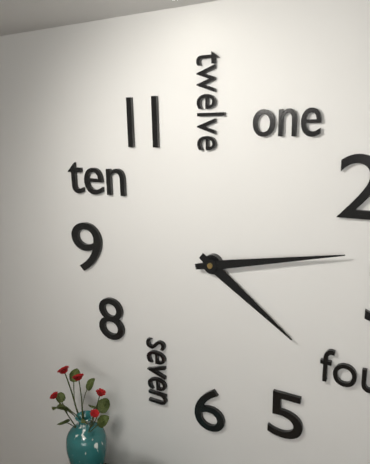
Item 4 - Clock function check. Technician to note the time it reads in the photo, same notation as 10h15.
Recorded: 4h13
